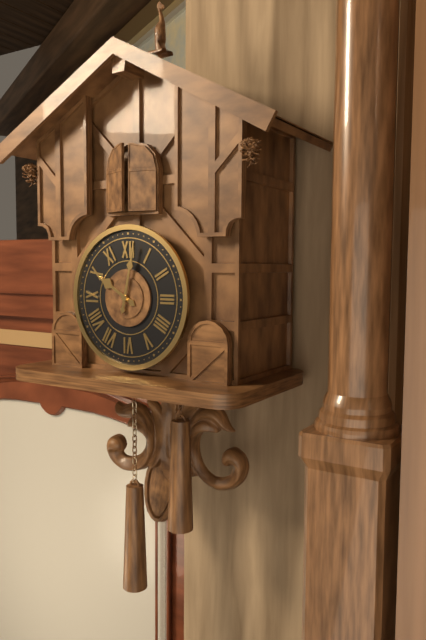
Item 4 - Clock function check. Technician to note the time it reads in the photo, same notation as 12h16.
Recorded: 10h02
